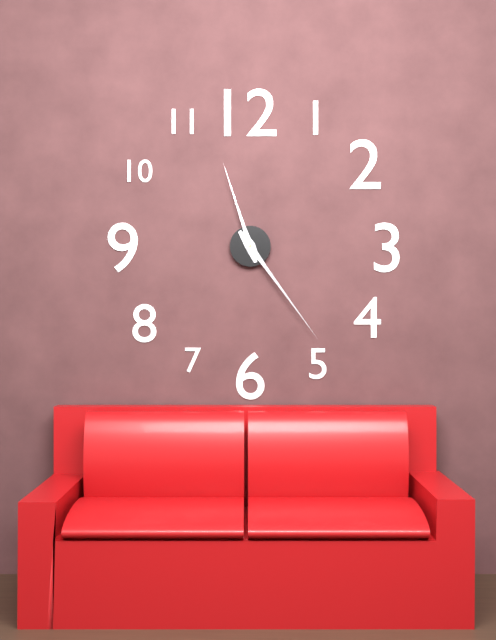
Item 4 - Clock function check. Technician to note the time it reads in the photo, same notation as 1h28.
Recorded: 11h24
